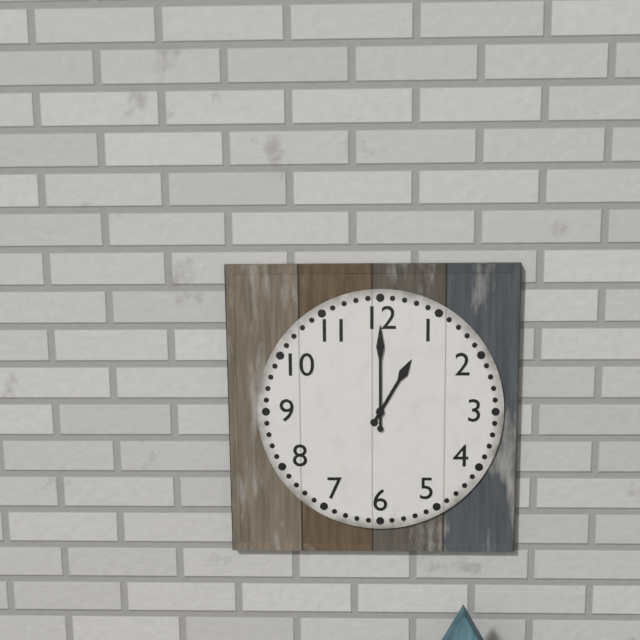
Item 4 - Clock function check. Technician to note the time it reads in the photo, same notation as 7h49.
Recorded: 1h00
